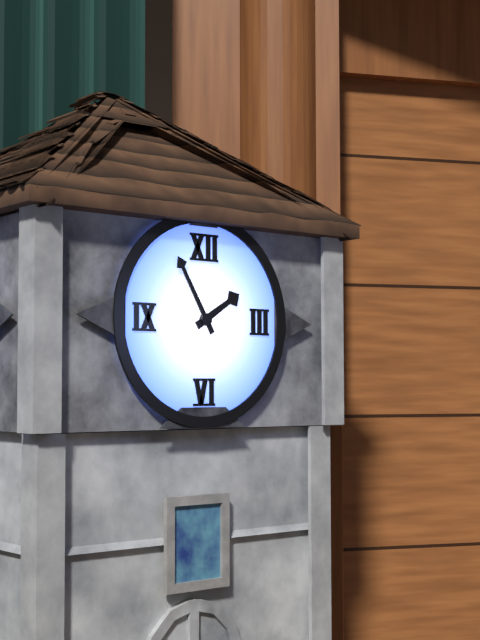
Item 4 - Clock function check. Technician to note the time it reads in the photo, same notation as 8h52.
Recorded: 1h55
